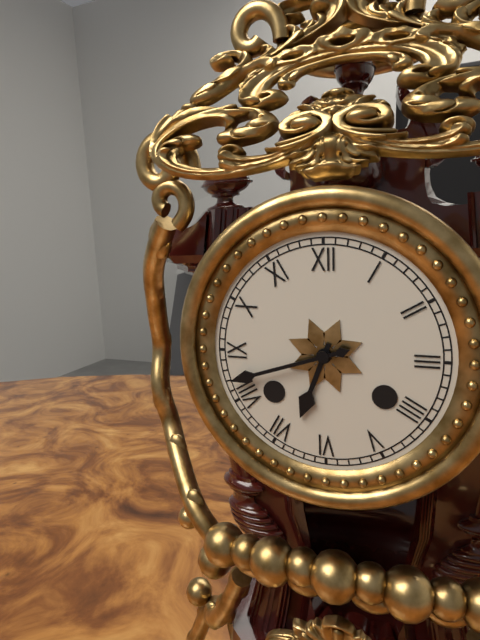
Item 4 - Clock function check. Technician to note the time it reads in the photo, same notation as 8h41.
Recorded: 6h42
